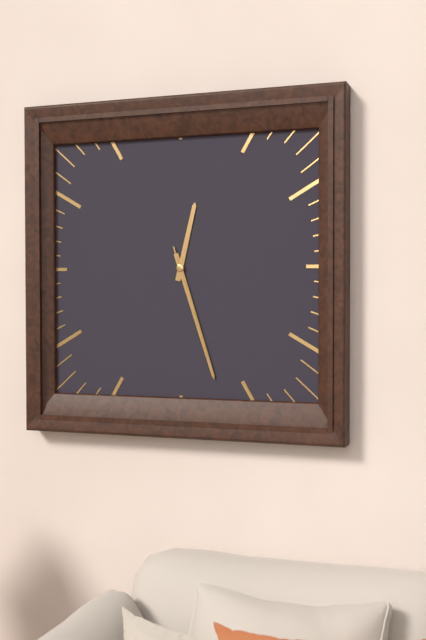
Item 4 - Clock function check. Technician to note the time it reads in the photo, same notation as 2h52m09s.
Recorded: 12h27m27s
